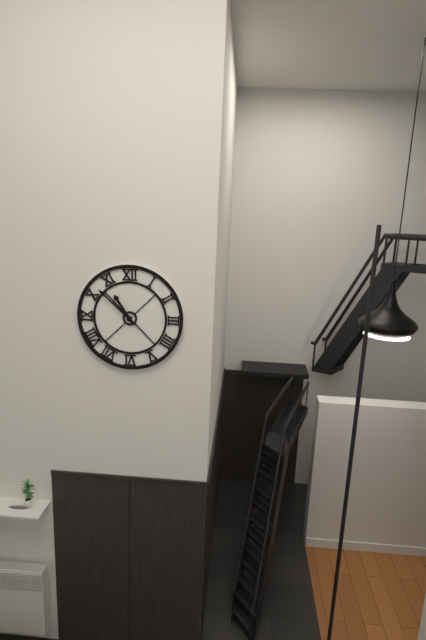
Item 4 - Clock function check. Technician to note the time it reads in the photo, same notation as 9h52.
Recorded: 10h52
